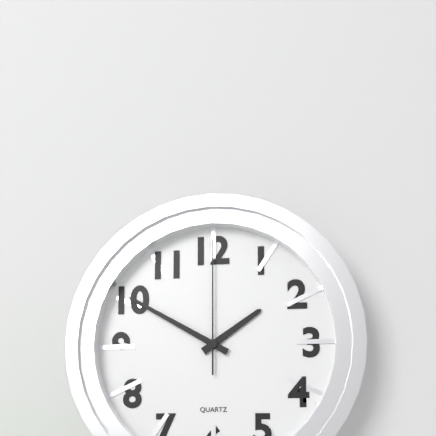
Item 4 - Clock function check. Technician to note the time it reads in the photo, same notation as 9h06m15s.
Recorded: 1h50m00s
